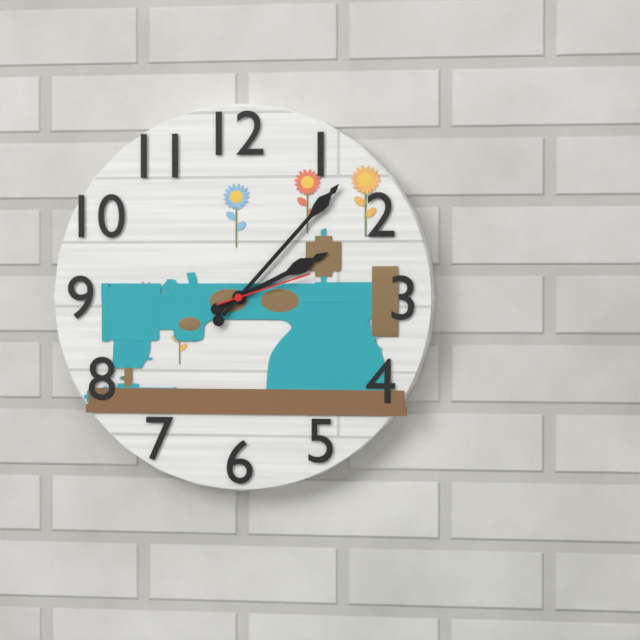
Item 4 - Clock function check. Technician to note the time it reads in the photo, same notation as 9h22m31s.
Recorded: 2h07m12s
